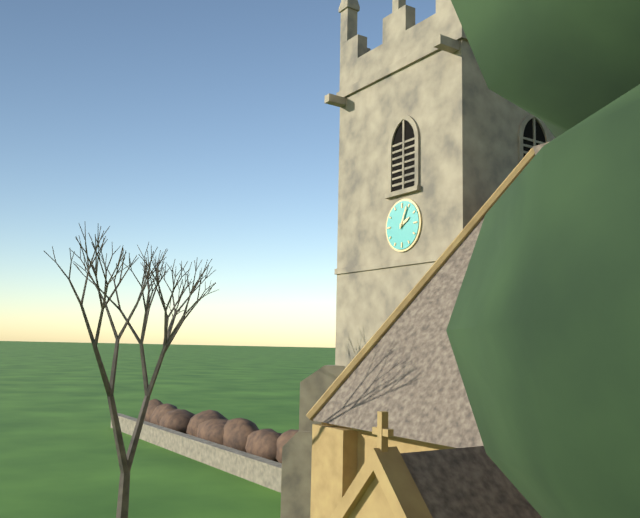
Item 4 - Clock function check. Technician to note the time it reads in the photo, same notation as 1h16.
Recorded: 2h04
